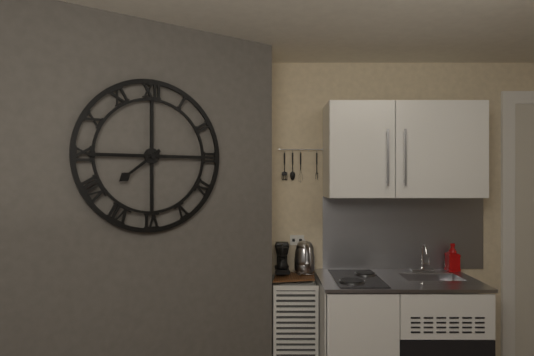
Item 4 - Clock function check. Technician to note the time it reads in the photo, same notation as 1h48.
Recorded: 7h45
